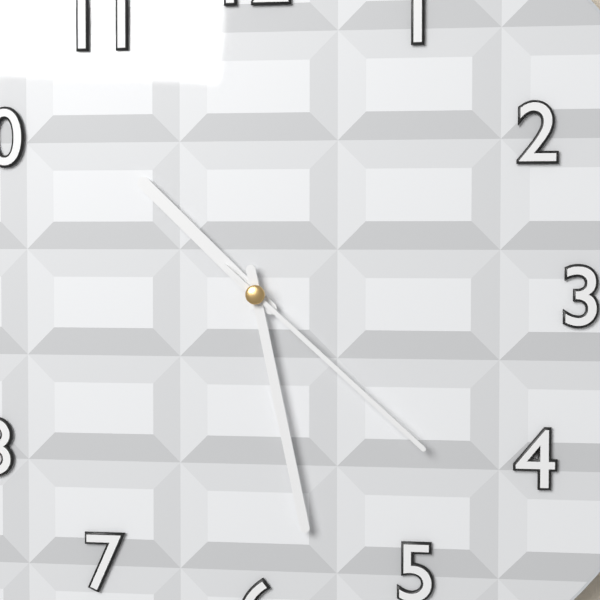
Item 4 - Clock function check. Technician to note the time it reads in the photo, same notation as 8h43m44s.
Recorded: 10h28m22s
